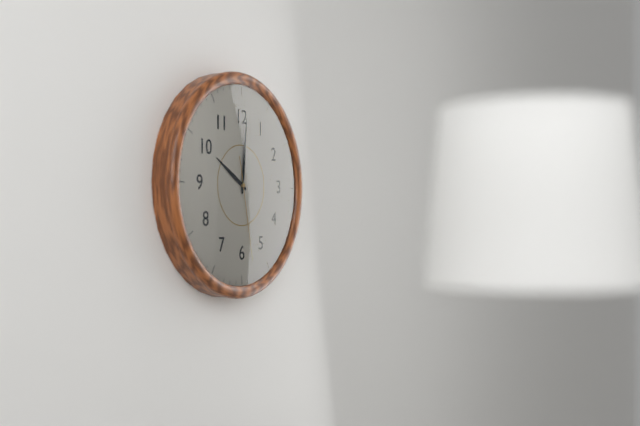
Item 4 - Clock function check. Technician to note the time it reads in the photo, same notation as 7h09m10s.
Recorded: 10h01m28s
